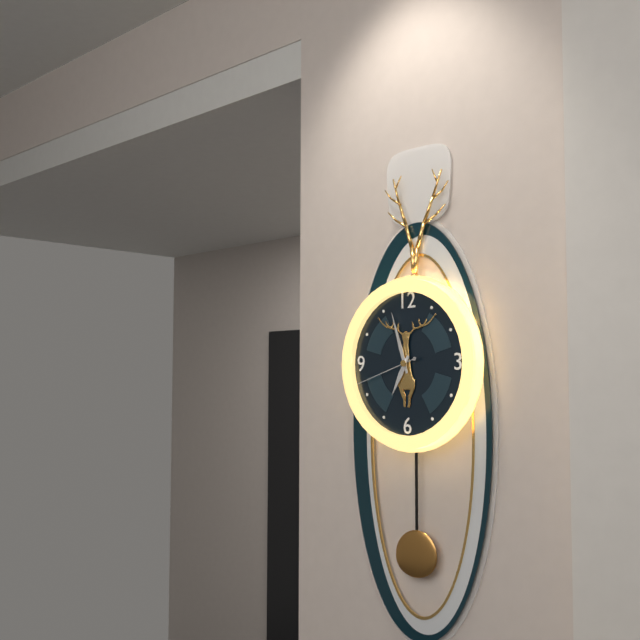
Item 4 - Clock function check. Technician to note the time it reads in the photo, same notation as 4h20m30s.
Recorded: 6h57m42s
